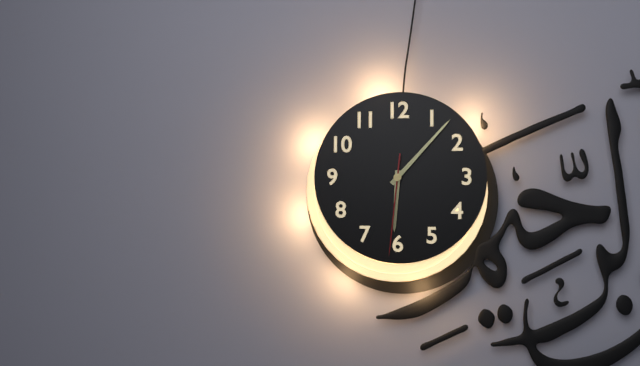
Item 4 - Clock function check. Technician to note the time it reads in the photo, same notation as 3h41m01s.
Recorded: 6h07m31s
